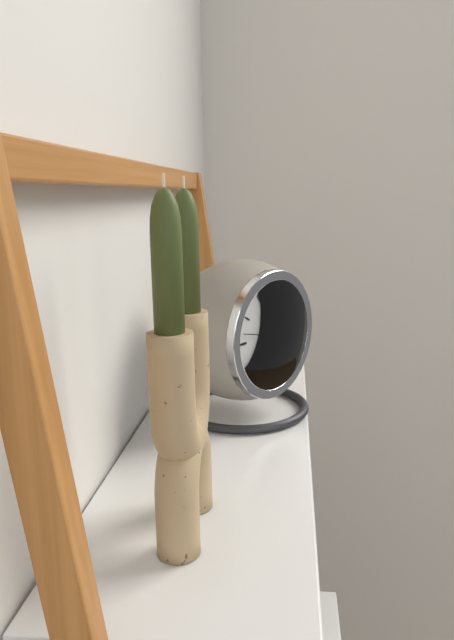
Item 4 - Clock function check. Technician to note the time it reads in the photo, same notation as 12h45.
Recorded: 10h38
